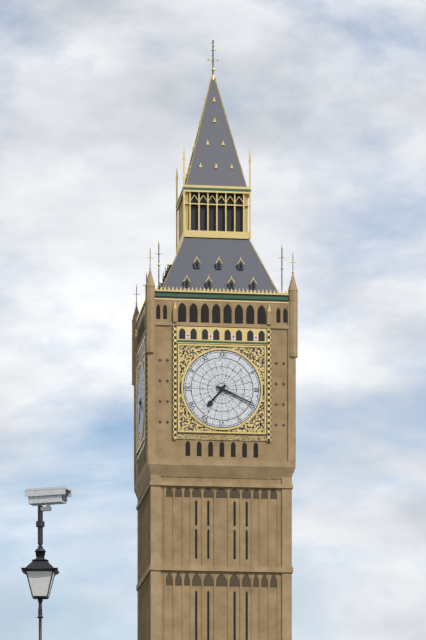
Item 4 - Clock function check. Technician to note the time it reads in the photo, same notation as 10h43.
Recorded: 7h19
